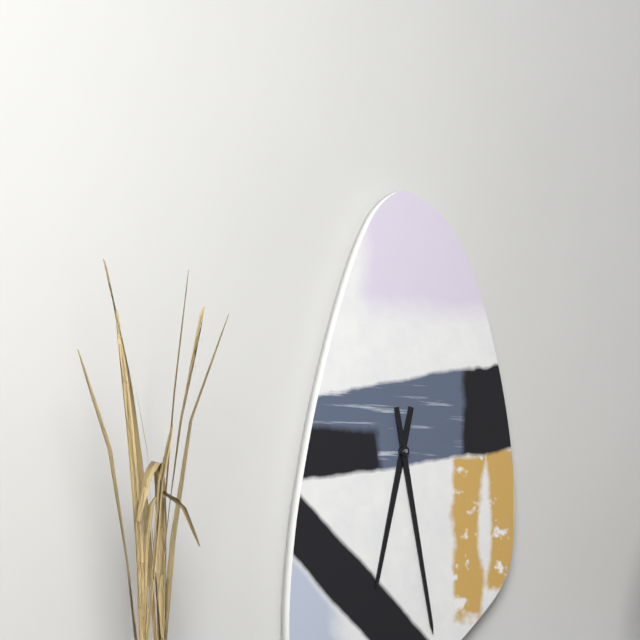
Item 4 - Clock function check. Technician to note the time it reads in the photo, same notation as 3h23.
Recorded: 6h28
